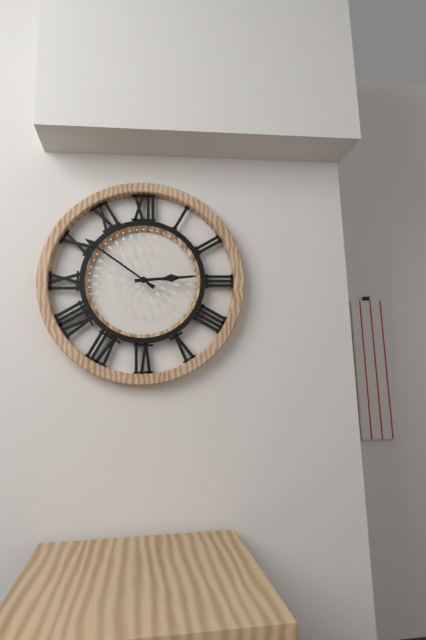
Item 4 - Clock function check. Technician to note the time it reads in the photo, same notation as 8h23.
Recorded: 2h51
